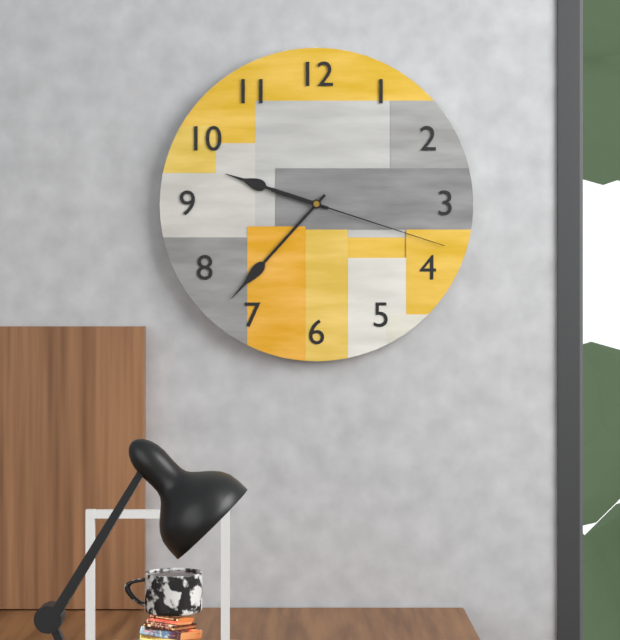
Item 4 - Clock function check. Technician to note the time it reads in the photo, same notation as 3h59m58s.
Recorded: 9h37m18s
